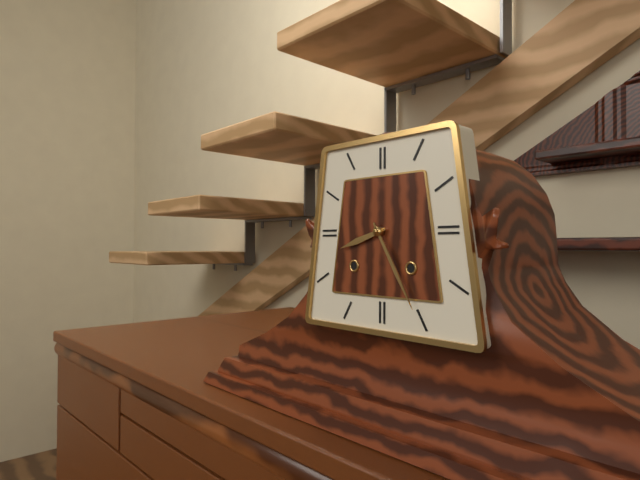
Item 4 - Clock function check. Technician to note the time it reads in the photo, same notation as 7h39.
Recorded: 8h25
